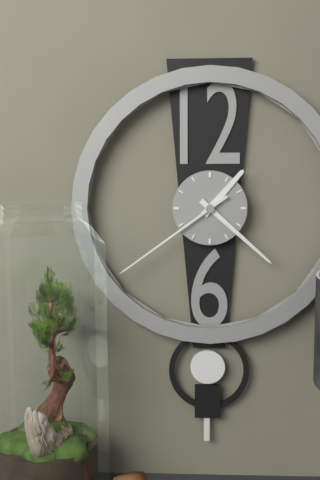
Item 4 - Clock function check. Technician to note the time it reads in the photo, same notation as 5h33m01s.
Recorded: 1h22m39s
